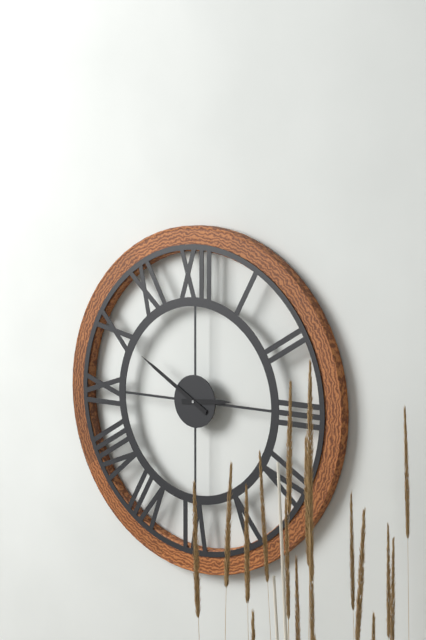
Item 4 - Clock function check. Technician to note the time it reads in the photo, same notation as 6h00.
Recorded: 2h50
